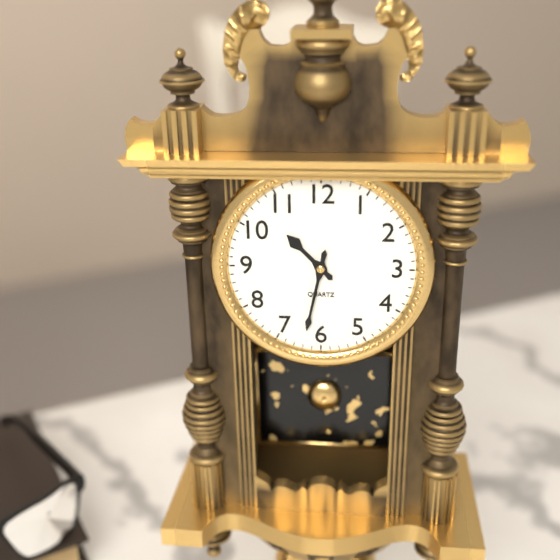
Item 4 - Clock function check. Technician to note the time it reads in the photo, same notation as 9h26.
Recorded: 10h32
